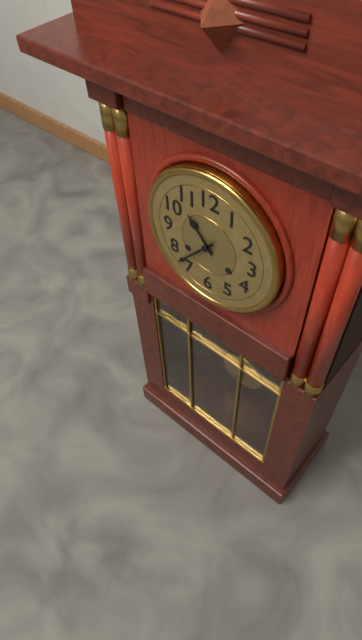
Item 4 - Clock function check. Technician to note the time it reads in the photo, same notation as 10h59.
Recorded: 10h37
